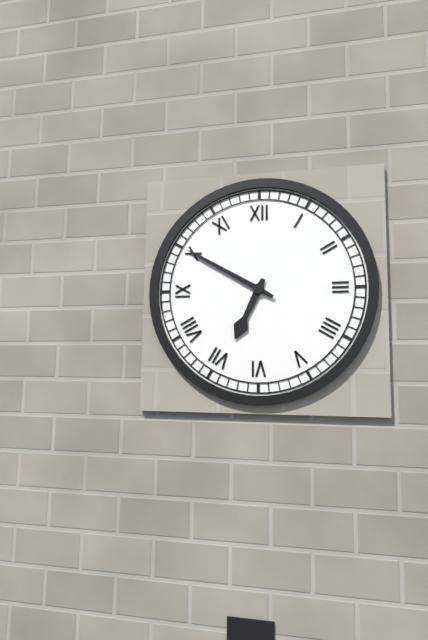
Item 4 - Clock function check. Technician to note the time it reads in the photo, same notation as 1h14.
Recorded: 6h50
